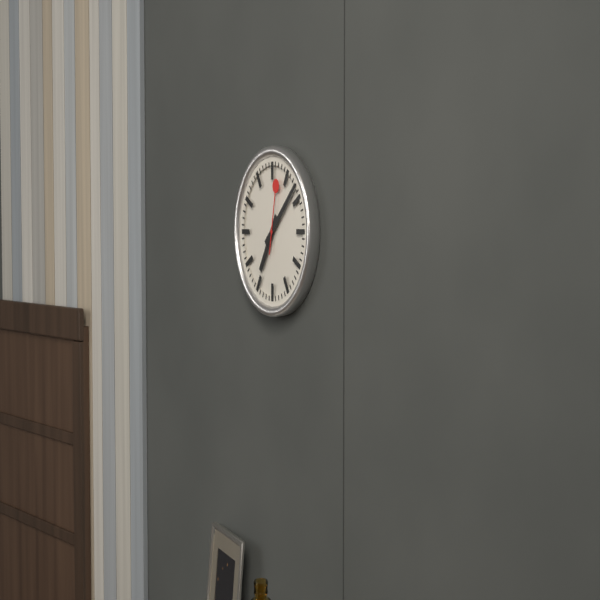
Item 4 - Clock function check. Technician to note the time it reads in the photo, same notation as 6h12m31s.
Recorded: 7h08m02s
